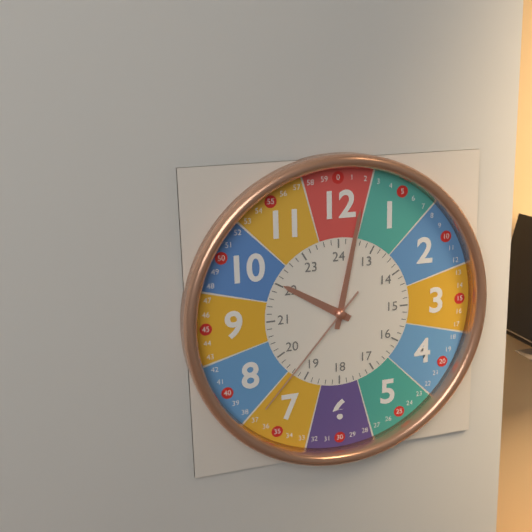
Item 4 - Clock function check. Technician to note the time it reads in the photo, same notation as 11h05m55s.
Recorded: 10h02m37s
